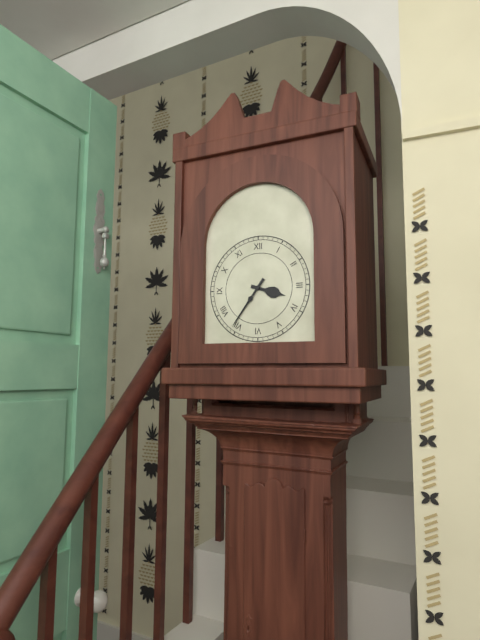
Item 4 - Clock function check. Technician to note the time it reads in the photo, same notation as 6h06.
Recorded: 3h36
